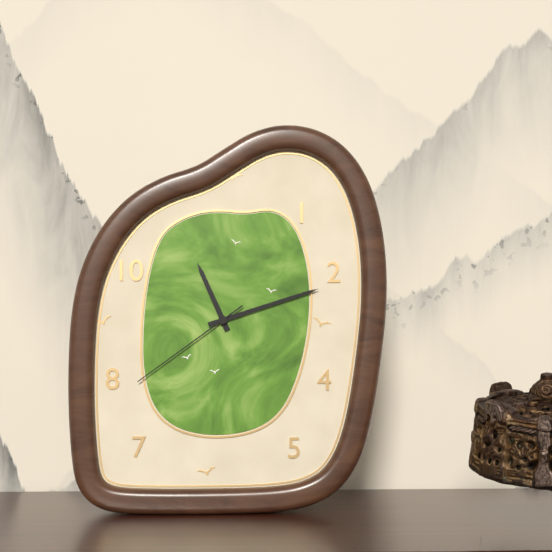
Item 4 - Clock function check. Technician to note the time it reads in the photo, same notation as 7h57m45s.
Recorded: 11h12m39s
